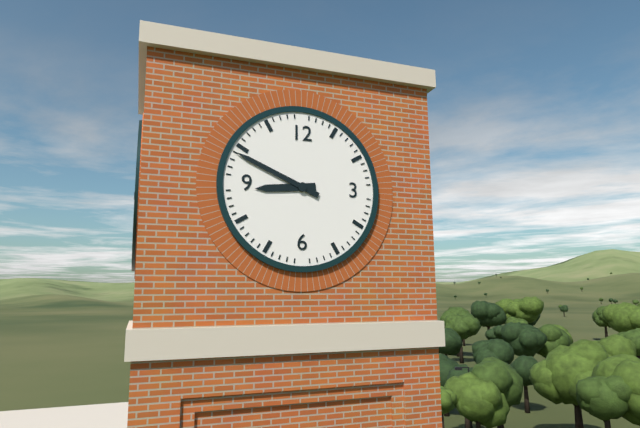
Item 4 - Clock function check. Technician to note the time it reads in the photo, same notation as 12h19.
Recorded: 8h49
